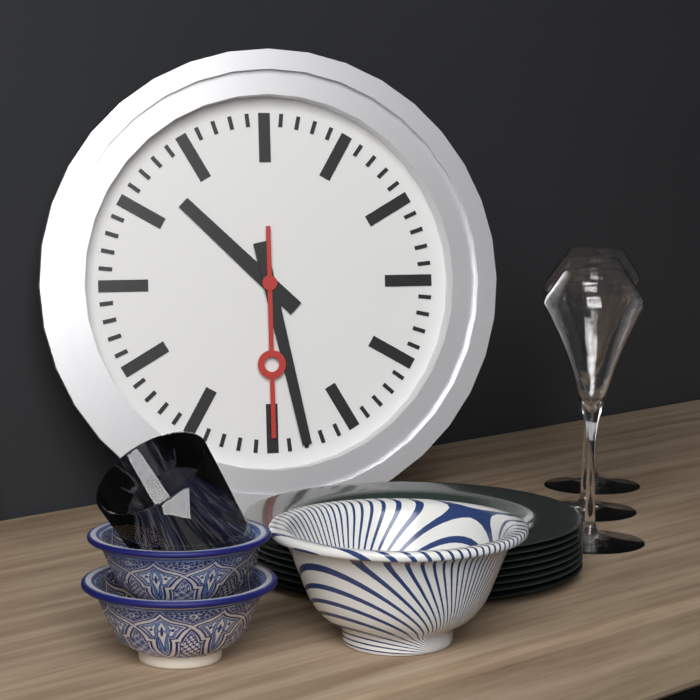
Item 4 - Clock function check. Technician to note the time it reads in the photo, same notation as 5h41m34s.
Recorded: 10h28m30s
